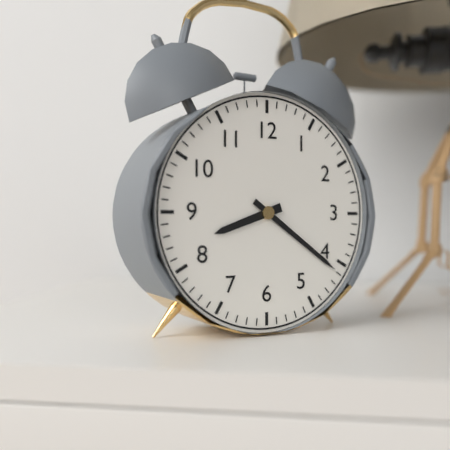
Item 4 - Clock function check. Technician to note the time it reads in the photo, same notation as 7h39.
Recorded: 8h21
